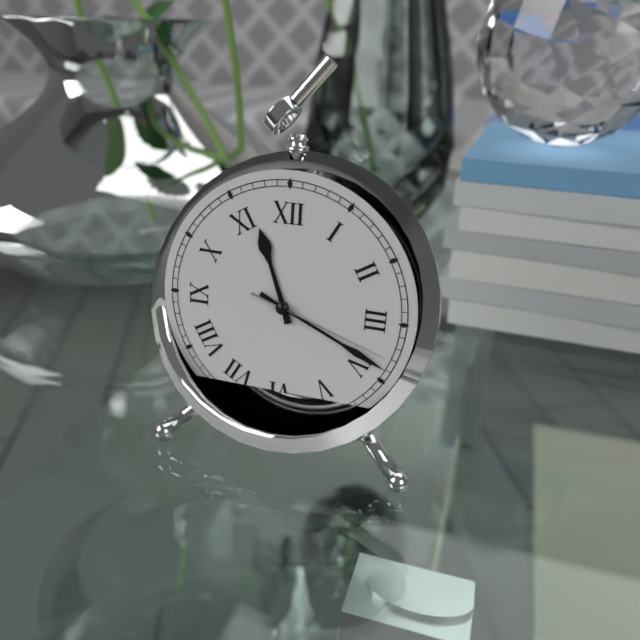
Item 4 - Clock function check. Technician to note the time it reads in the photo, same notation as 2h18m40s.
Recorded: 11h19m18s
